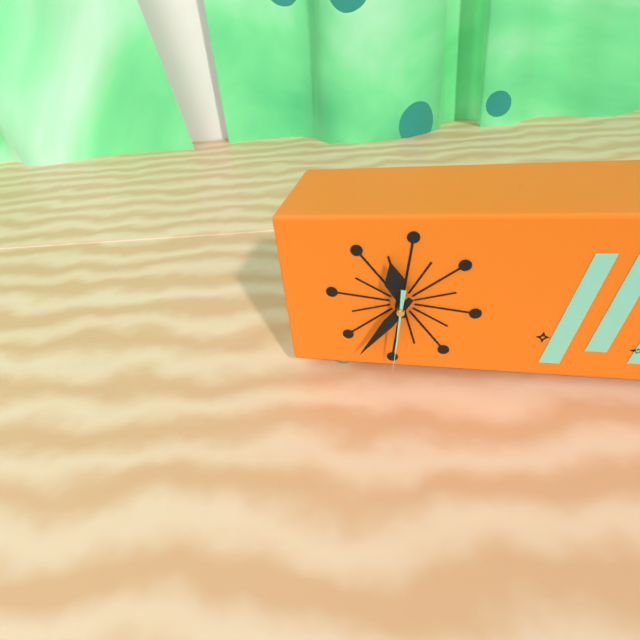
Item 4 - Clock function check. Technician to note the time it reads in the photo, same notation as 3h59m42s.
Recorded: 11h36m31s
